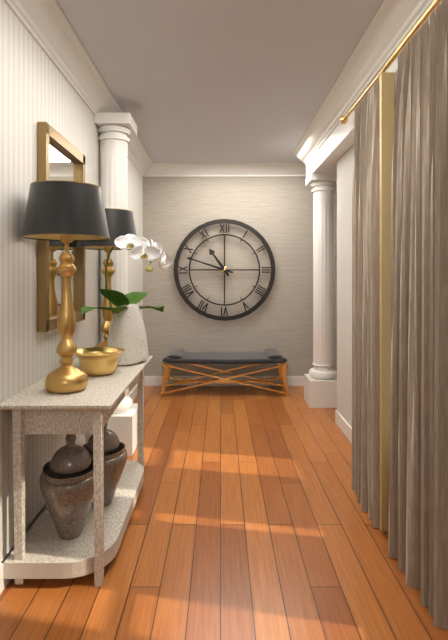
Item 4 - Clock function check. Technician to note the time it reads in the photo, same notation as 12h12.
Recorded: 10h48
